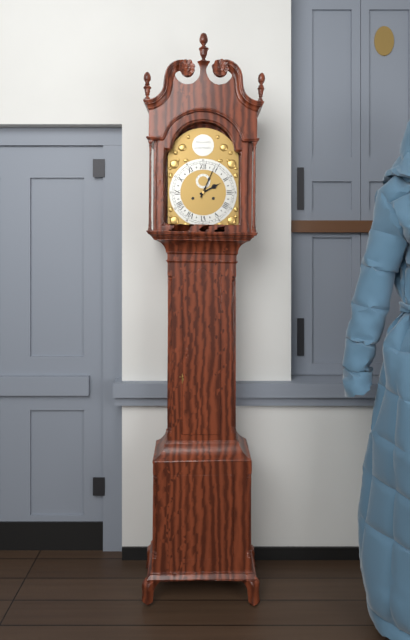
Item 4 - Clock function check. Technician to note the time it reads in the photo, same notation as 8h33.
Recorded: 2h04
